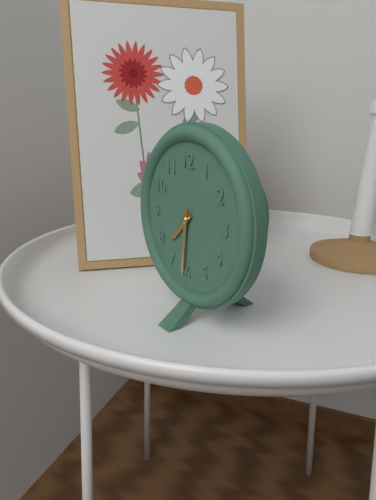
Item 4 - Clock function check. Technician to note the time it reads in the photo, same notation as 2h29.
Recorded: 7h31
